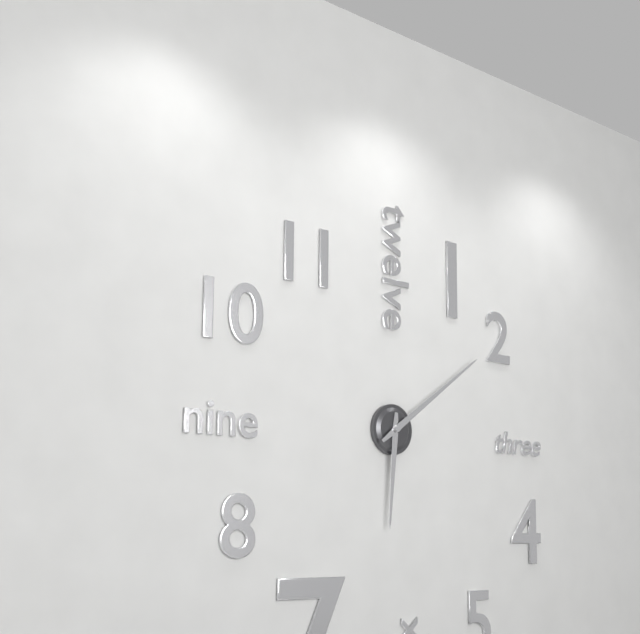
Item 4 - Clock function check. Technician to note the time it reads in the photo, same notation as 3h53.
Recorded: 6h09
